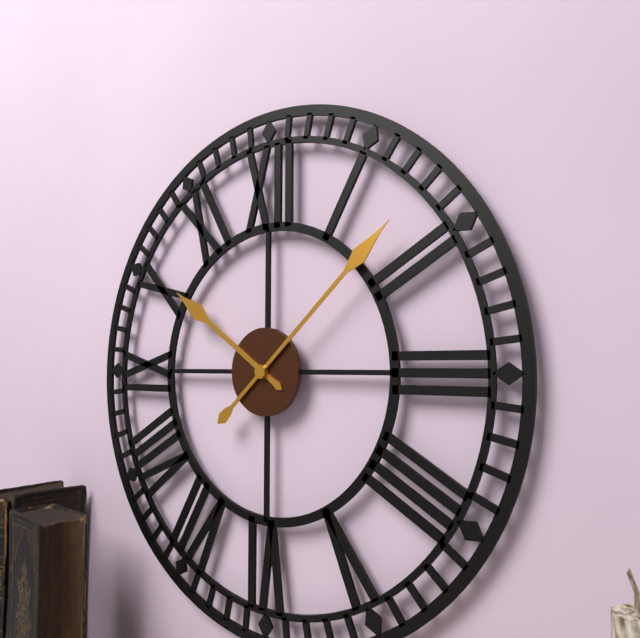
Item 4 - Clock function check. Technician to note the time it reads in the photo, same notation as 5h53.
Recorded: 10h08
